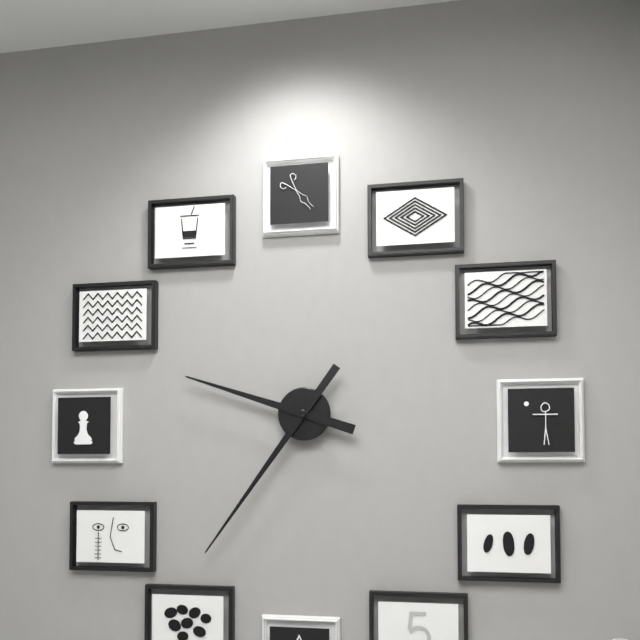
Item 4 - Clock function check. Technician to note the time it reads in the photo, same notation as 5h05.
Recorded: 9h36
